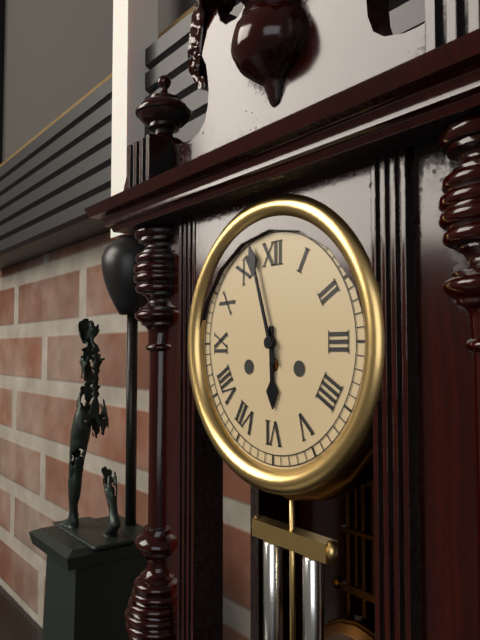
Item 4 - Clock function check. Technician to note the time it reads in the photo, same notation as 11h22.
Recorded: 5h57
